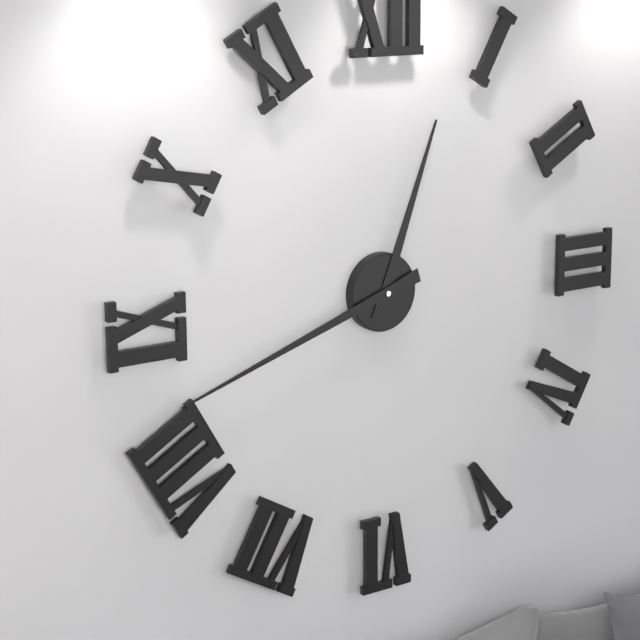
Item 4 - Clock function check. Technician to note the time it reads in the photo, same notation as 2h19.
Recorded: 12h42
